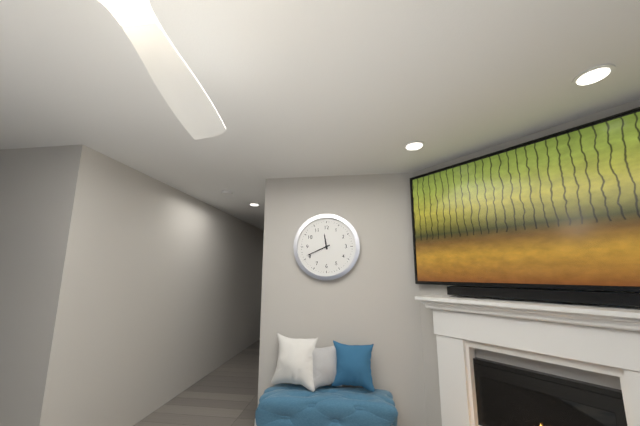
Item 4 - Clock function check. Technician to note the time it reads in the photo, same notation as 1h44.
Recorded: 11h41
